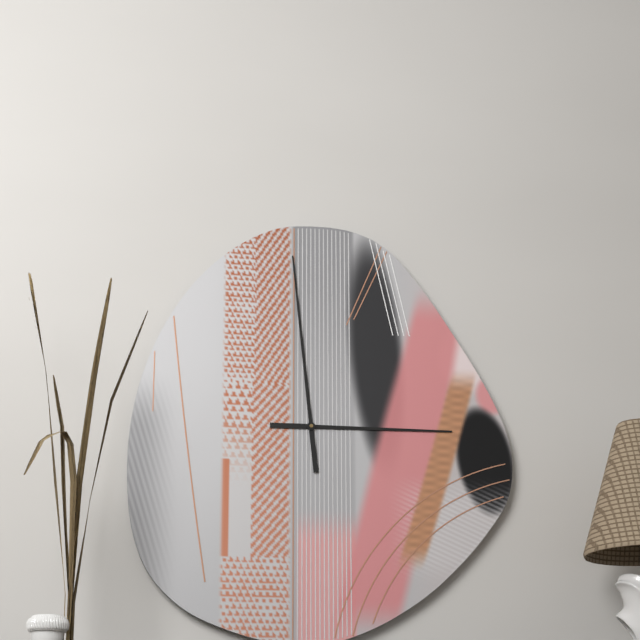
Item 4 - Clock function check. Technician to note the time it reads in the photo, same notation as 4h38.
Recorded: 2h59
